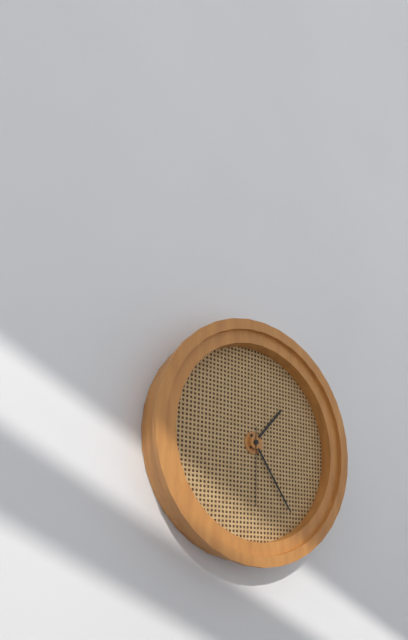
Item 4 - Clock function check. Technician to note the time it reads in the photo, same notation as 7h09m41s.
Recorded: 1h24m30s
